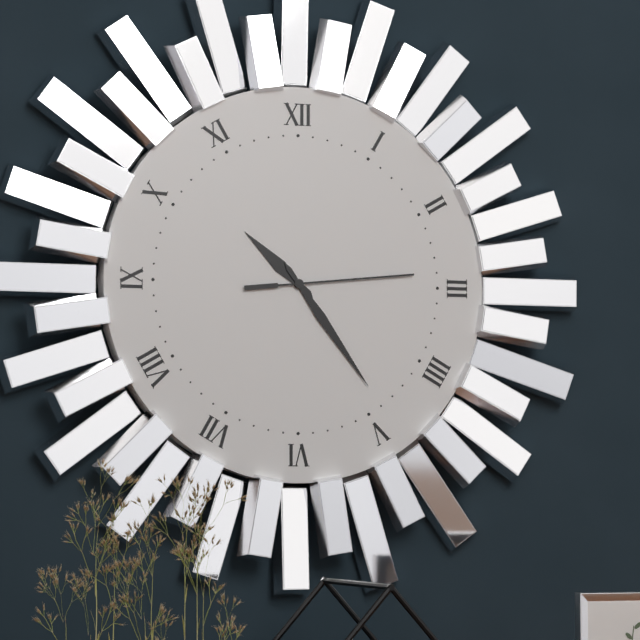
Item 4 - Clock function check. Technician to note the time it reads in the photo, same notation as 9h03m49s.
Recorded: 10h24m14s
